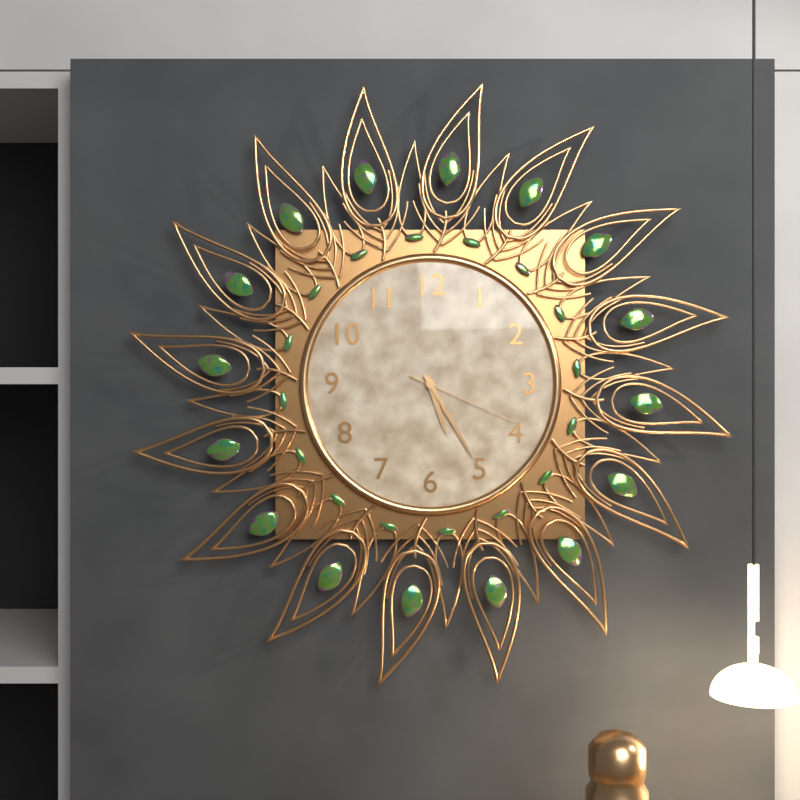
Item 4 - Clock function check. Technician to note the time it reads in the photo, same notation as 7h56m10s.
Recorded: 5h25m19s
